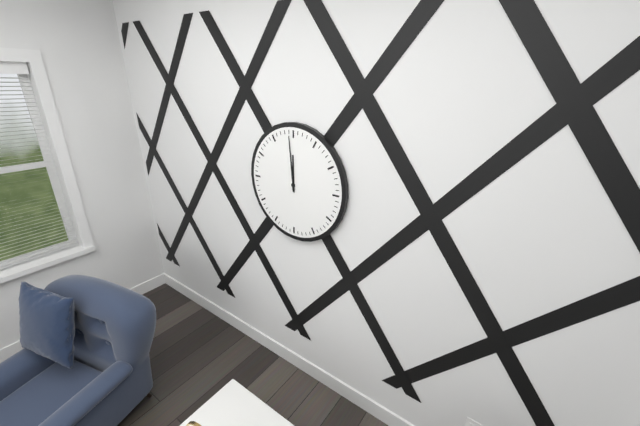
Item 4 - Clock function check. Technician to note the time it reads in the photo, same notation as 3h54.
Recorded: 11h59
